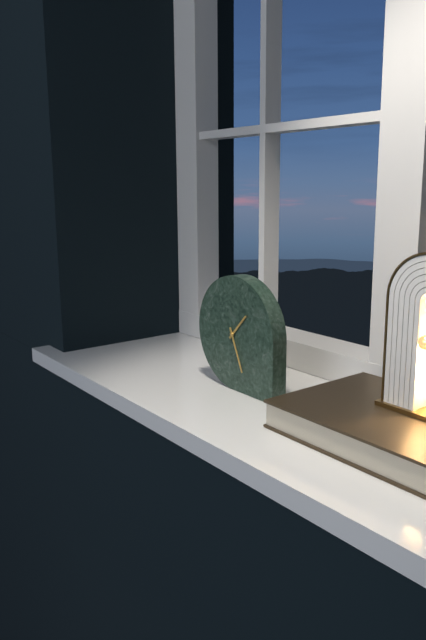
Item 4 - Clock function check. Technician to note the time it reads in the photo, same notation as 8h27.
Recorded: 1h26
